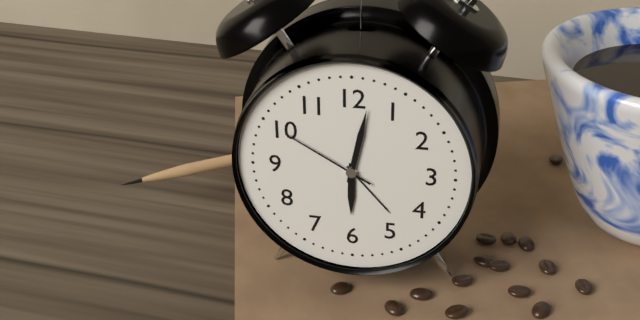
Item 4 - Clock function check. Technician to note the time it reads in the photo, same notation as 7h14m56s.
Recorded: 6h02m50s
